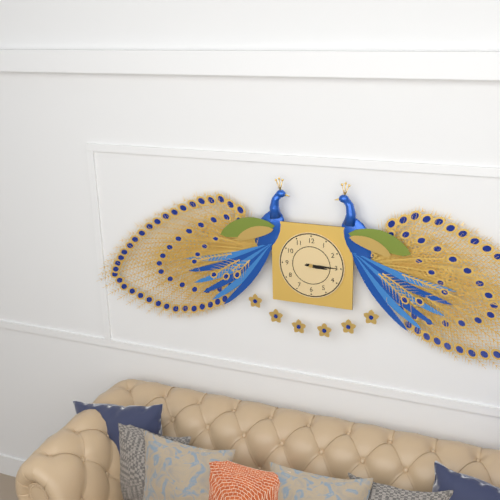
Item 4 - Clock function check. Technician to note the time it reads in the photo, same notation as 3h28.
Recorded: 3h15
